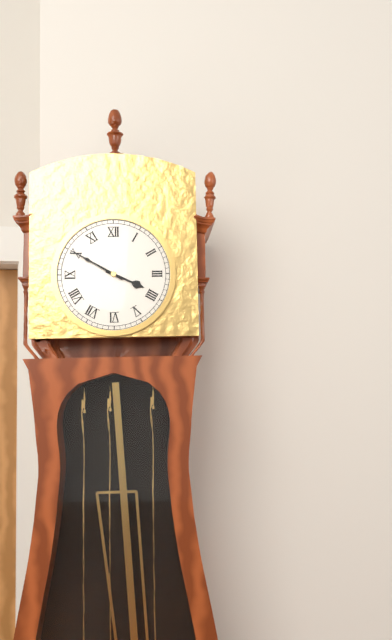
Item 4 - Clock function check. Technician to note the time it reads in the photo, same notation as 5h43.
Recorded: 3h50
